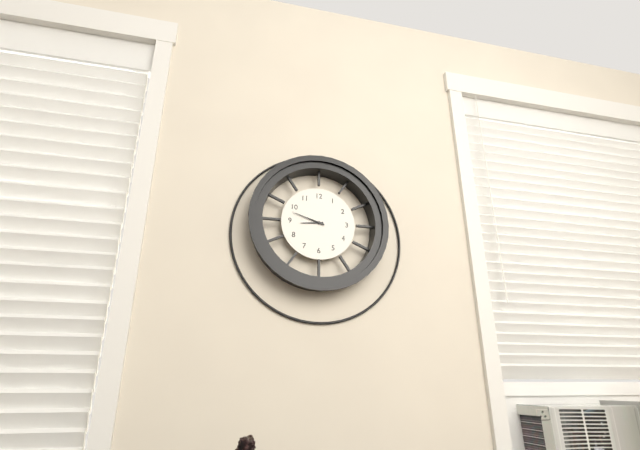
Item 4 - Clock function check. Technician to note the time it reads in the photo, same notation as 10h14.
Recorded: 8h48
